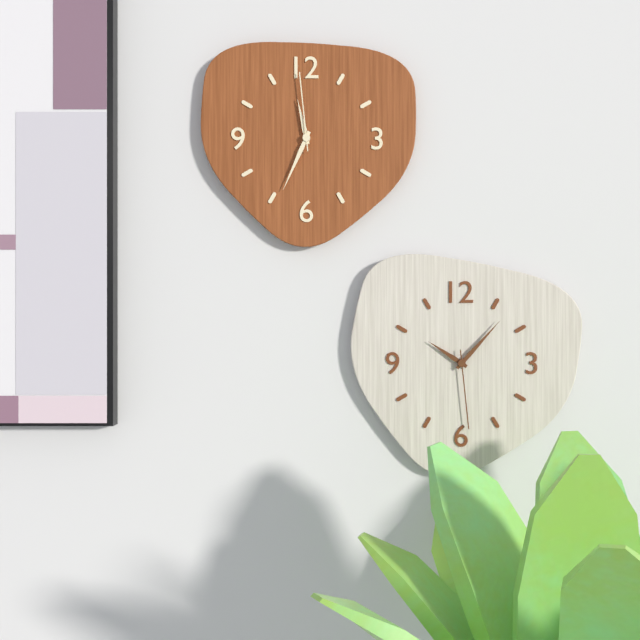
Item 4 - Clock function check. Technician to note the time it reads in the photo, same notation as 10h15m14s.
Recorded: 11h34m59s
